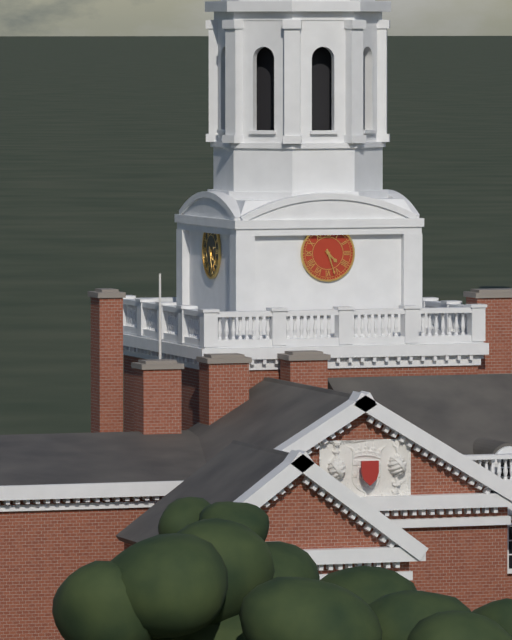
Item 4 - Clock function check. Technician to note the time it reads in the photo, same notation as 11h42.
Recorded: 4h27
